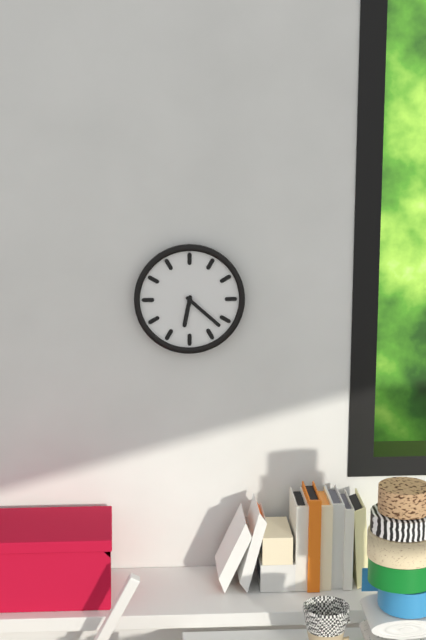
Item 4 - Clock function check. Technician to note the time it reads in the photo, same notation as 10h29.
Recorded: 6h22
